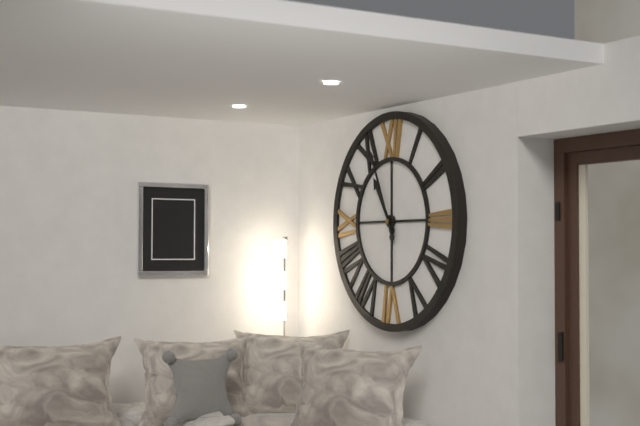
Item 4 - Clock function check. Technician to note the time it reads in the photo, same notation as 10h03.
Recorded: 10h56
